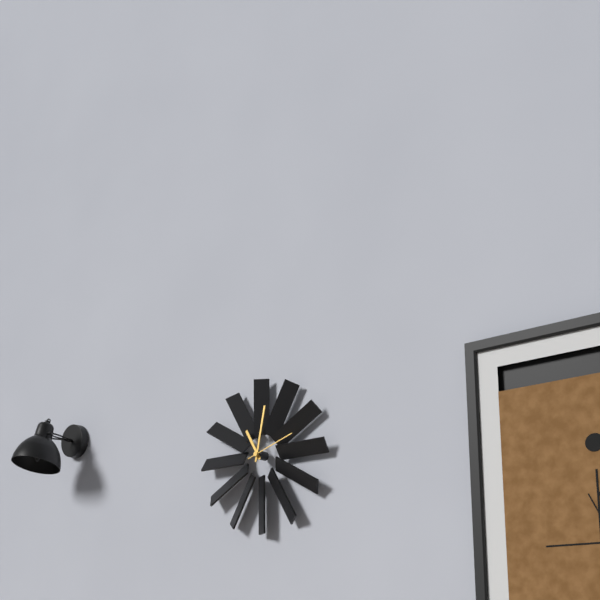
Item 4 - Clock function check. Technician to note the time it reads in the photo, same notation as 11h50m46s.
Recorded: 11h02m12s
